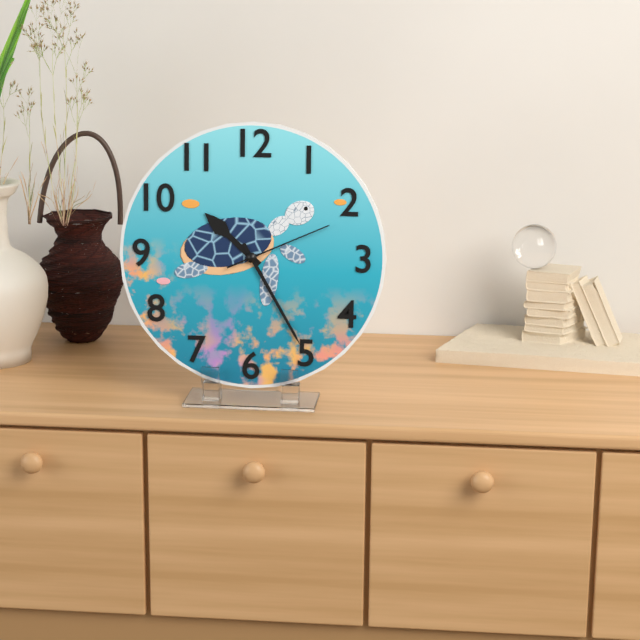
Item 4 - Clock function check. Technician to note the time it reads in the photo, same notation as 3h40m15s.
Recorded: 10h25m11s
